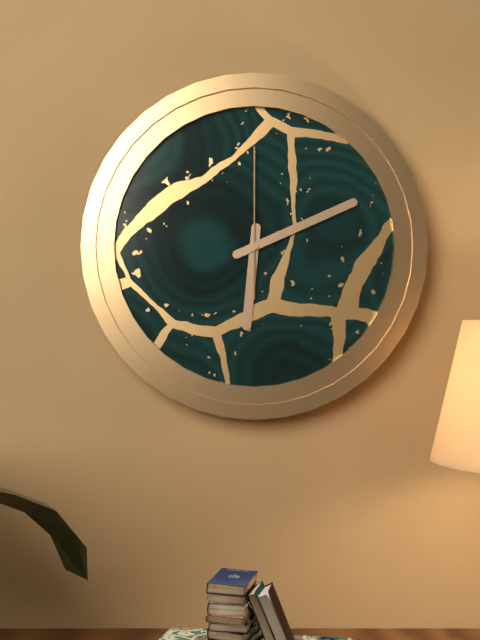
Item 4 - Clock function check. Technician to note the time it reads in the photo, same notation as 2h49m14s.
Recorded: 6h11m00s
